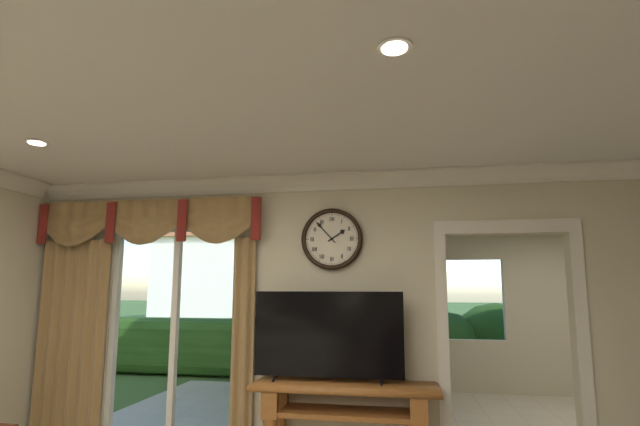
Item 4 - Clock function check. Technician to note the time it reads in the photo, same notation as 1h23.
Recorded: 1h53
